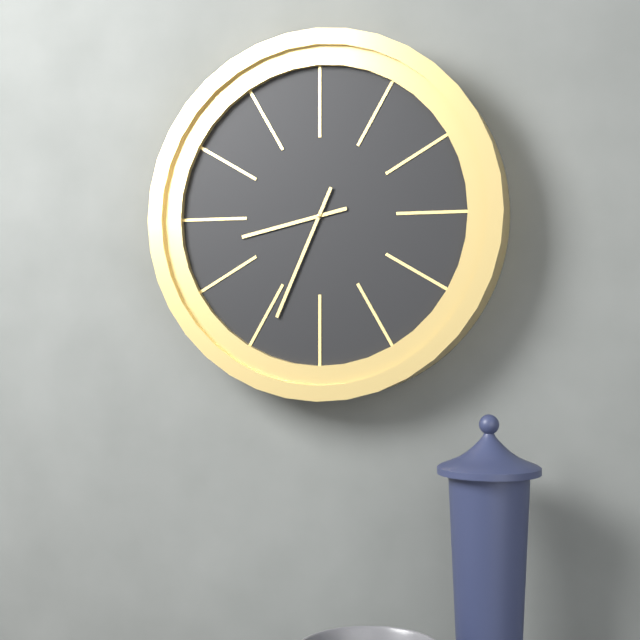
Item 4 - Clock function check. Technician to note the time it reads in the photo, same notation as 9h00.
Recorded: 8h34
